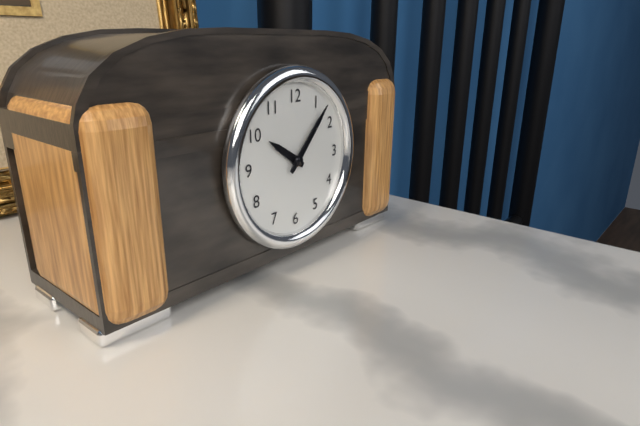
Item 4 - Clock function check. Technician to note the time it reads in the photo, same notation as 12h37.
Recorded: 10h07
